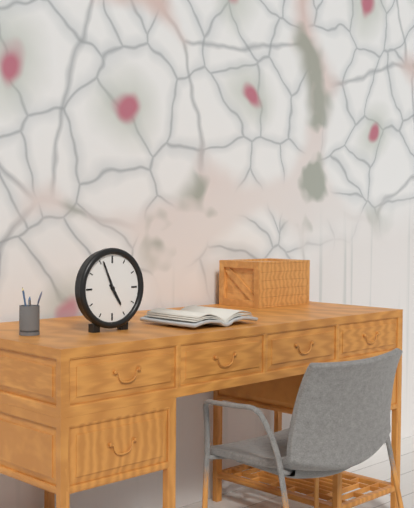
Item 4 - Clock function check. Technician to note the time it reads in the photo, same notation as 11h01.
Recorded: 4h56
